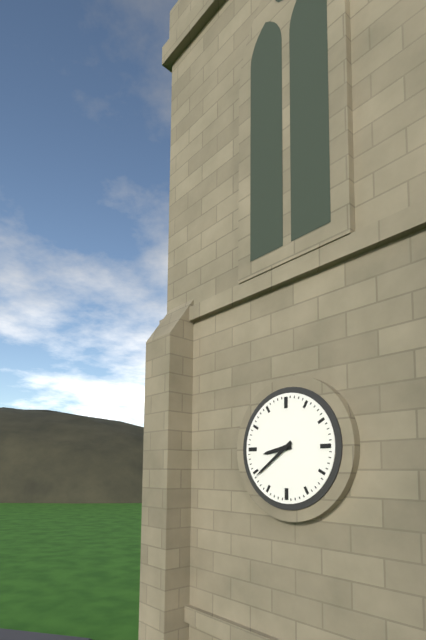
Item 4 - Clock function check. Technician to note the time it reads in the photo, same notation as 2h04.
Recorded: 8h39
